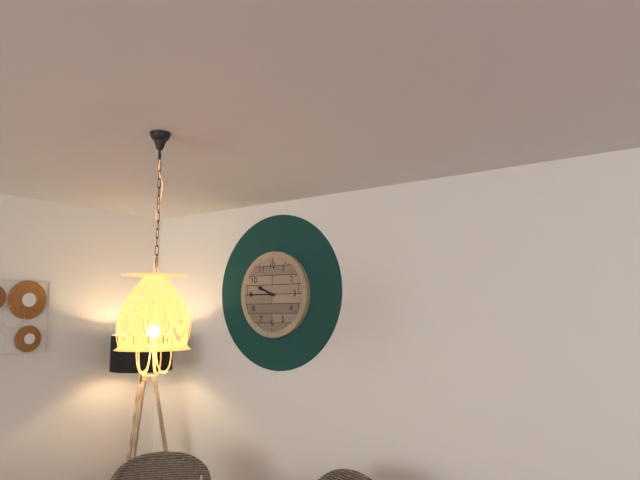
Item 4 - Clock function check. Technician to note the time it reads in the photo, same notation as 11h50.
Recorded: 9h45
